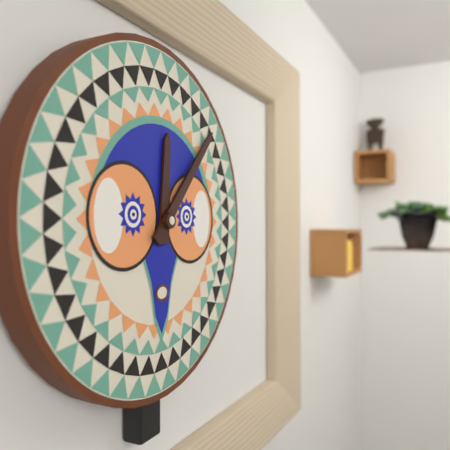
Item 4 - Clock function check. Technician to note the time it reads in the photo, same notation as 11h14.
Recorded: 12h07
